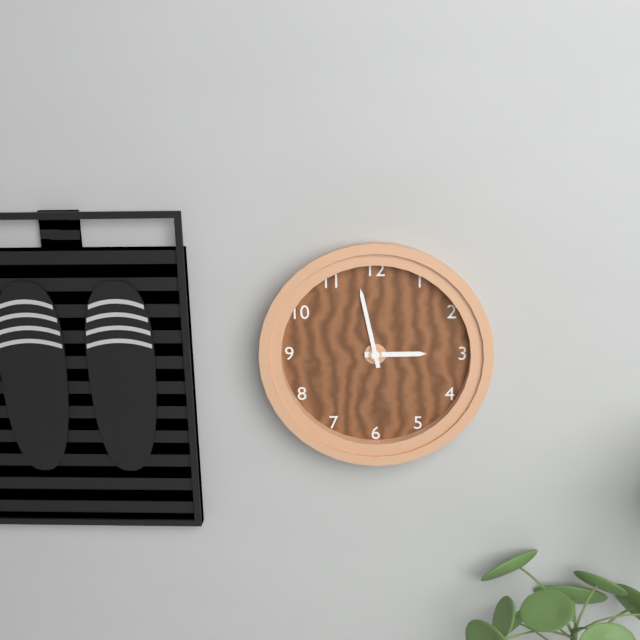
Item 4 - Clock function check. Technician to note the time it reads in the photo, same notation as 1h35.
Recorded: 2h58
